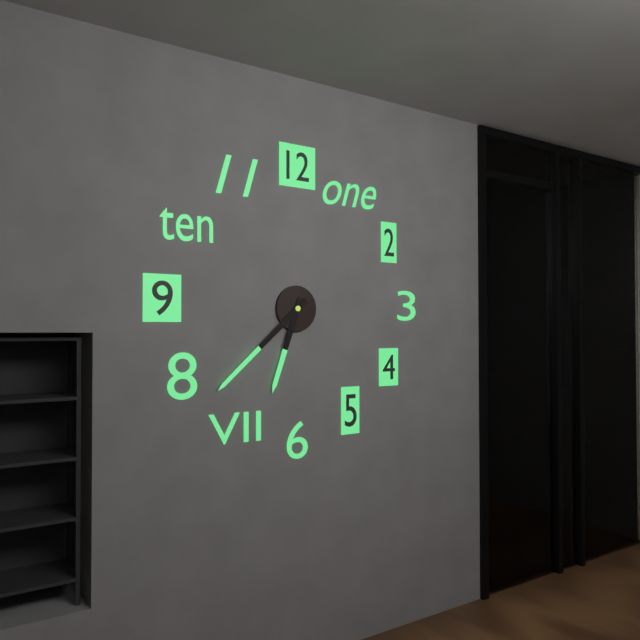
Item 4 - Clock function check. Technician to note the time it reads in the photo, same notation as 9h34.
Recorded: 6h38
